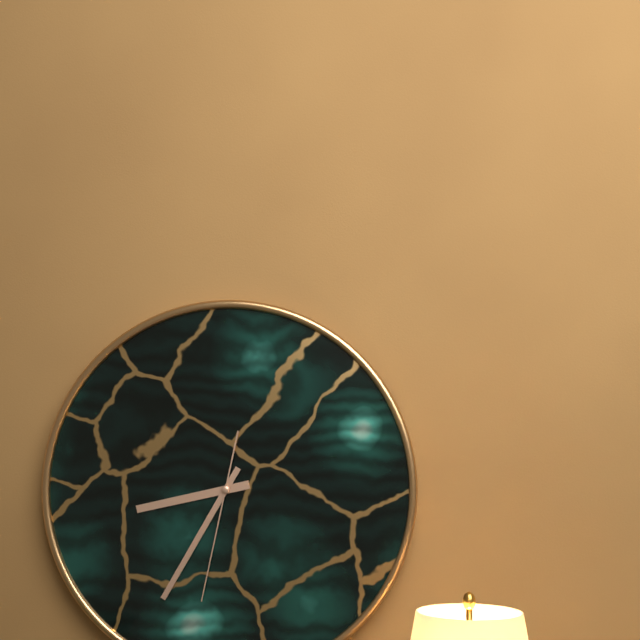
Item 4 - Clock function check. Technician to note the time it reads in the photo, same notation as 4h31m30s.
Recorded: 8h35m32s
